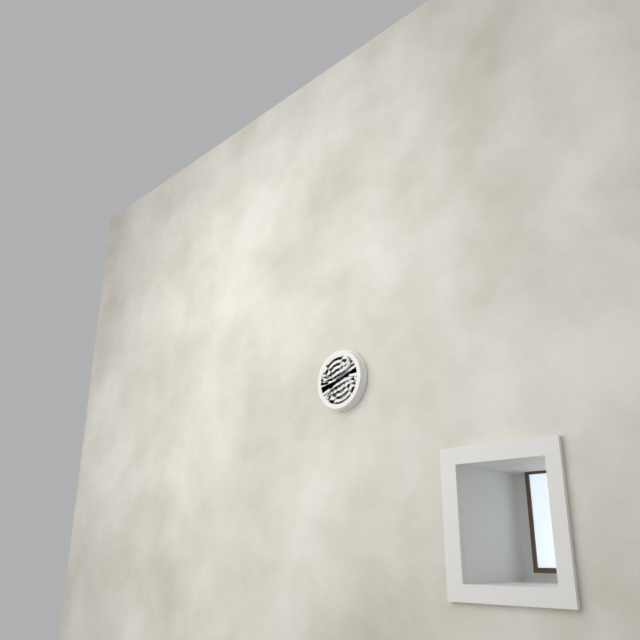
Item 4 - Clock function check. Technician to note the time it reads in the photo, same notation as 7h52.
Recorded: 2h10
